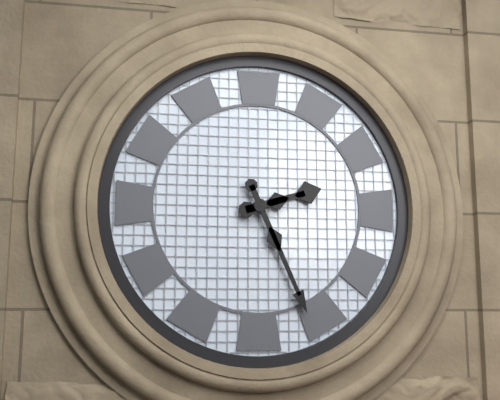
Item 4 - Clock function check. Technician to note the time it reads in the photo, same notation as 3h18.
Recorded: 2h26
